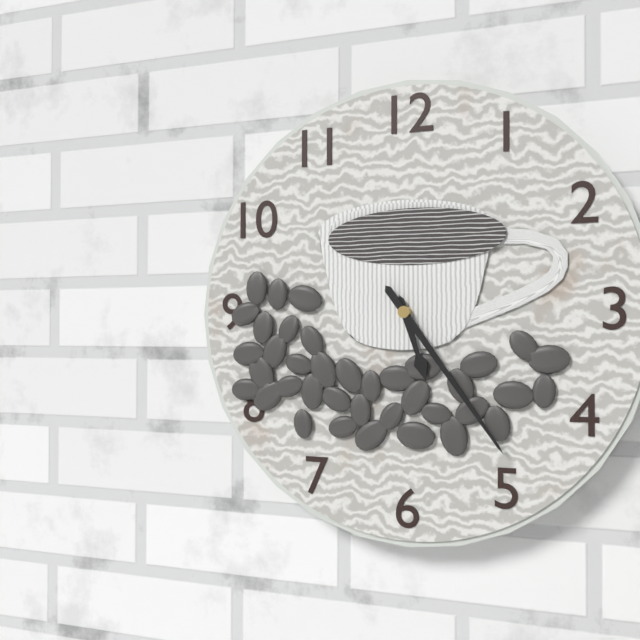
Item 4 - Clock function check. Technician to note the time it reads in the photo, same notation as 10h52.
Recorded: 5h24
